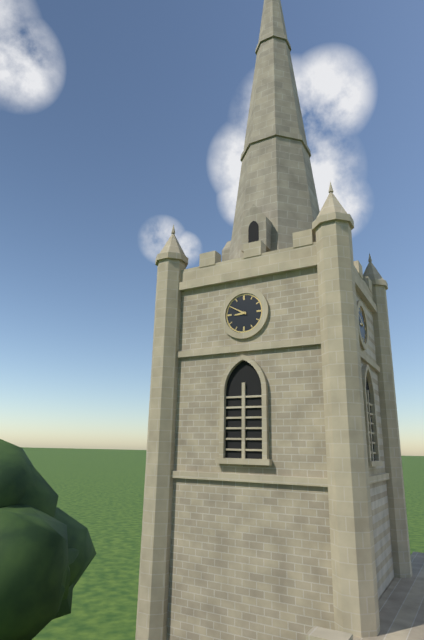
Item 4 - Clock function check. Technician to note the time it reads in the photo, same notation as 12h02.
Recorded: 8h50
